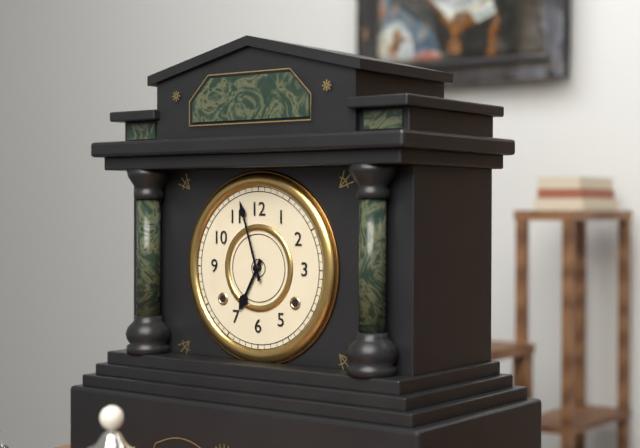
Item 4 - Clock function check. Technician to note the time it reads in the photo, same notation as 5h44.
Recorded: 6h57
